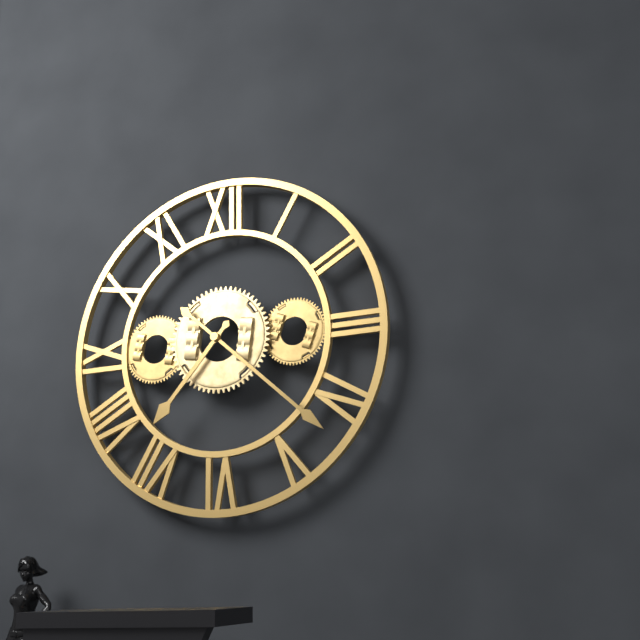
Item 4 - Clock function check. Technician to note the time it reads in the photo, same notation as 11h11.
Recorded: 7h22
